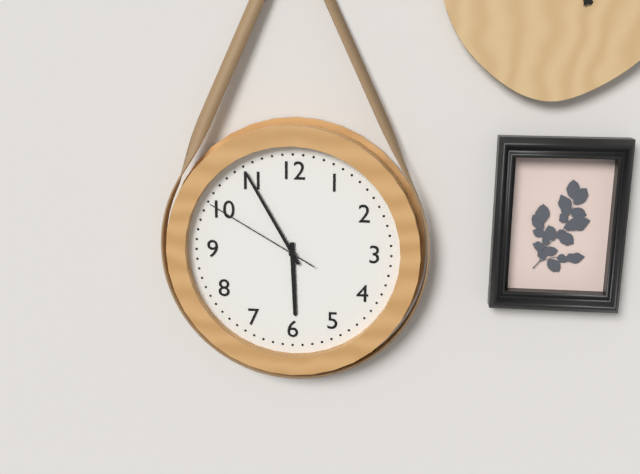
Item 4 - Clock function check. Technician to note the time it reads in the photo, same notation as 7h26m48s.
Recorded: 5h55m50s
